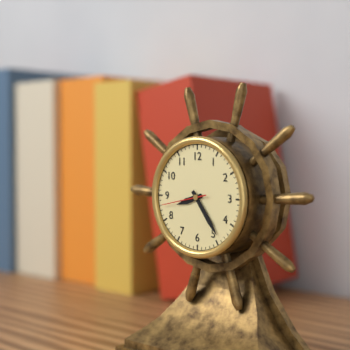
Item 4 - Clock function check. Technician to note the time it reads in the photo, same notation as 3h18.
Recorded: 8h24
